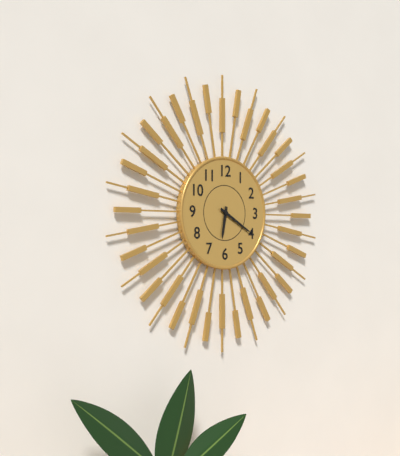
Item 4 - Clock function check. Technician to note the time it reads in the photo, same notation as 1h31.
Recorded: 6h20
